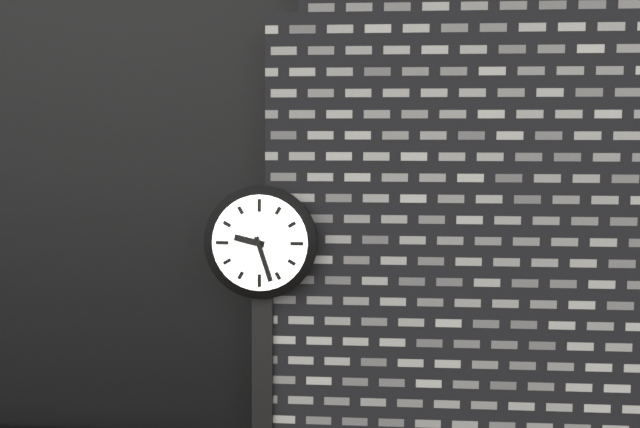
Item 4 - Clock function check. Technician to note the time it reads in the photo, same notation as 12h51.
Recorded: 9h27
